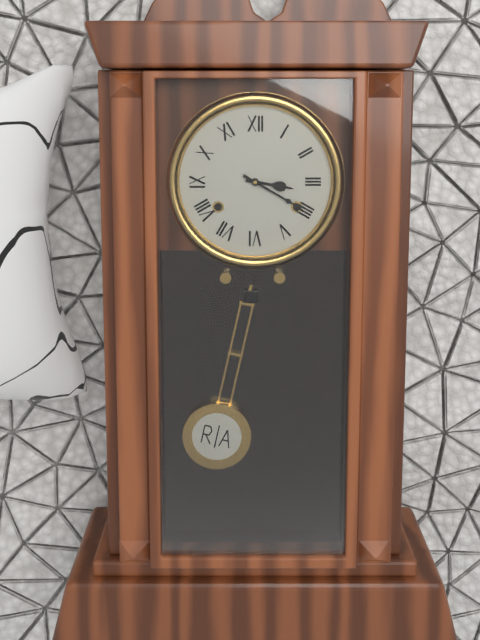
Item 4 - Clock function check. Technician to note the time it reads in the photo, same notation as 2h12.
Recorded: 3h20
